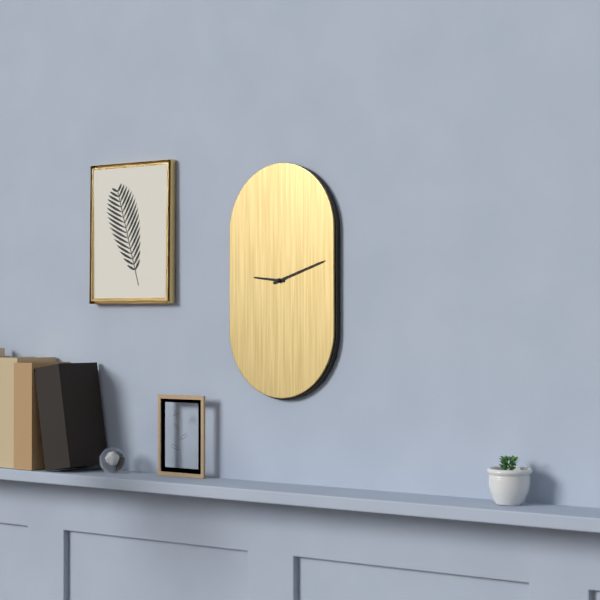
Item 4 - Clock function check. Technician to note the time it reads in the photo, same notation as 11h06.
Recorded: 9h12
